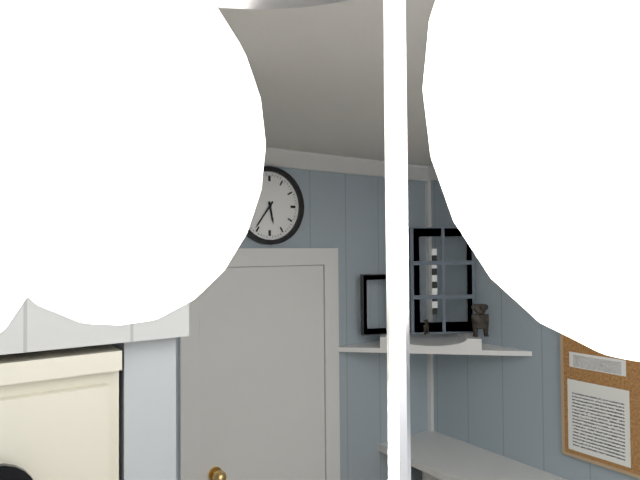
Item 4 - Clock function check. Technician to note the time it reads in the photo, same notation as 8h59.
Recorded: 5h36
